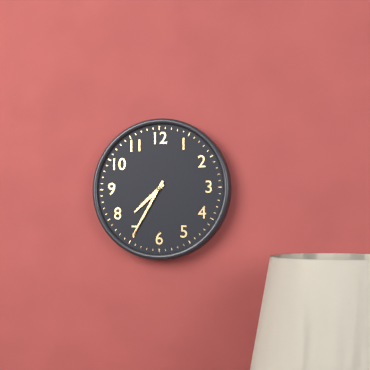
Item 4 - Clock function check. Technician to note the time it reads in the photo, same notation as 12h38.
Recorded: 7h35
